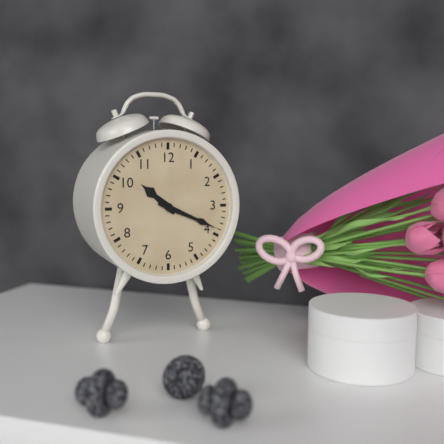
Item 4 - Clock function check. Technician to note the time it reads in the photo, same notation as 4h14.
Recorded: 10h19
